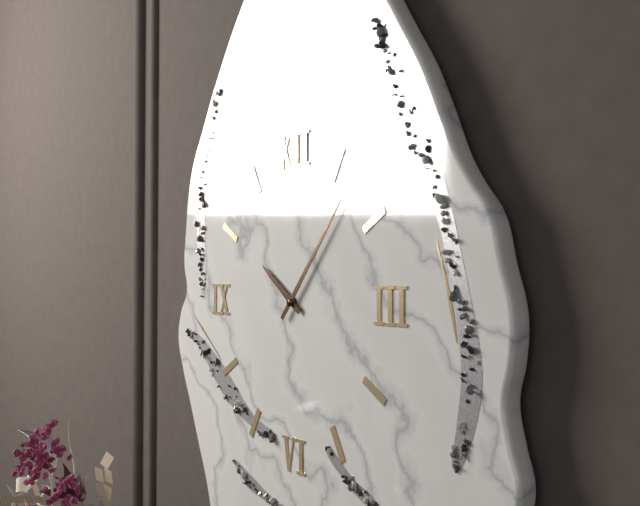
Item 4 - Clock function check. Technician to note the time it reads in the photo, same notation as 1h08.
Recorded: 10h07
